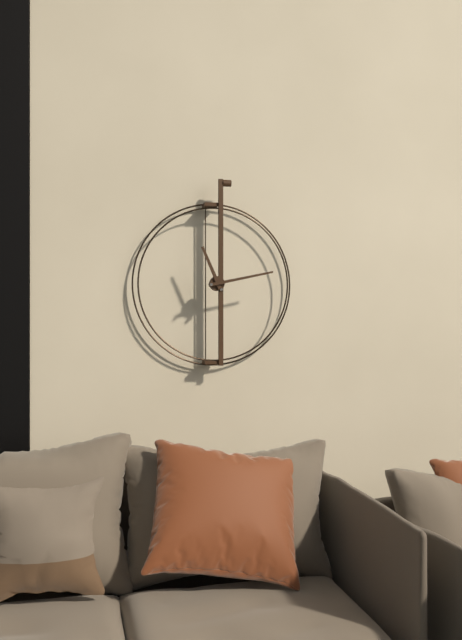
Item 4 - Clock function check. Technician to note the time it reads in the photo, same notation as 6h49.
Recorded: 11h13
